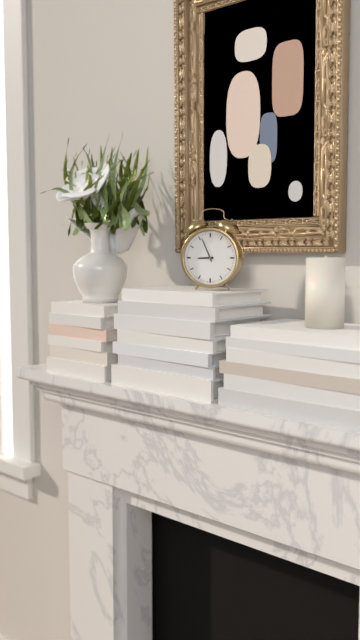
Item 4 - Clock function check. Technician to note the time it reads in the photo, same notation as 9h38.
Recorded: 8h56
